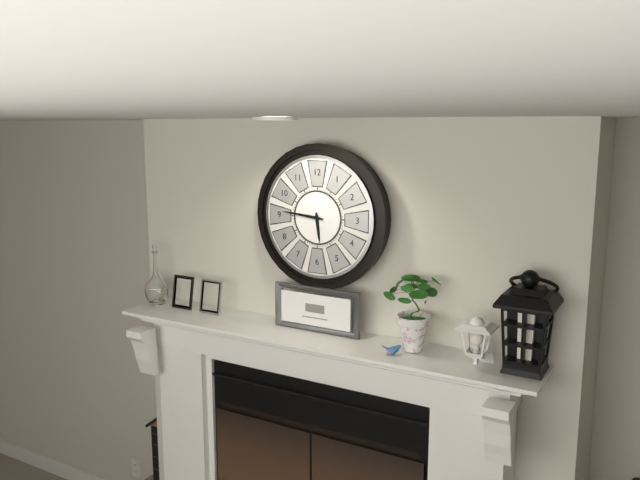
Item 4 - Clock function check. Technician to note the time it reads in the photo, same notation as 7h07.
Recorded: 5h46
